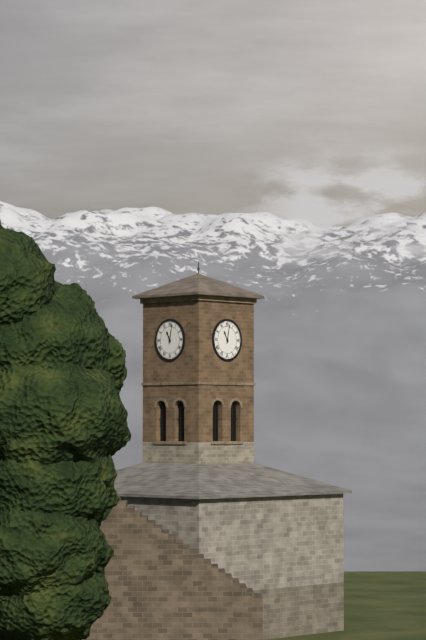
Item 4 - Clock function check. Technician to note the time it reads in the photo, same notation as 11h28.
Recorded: 11h02
